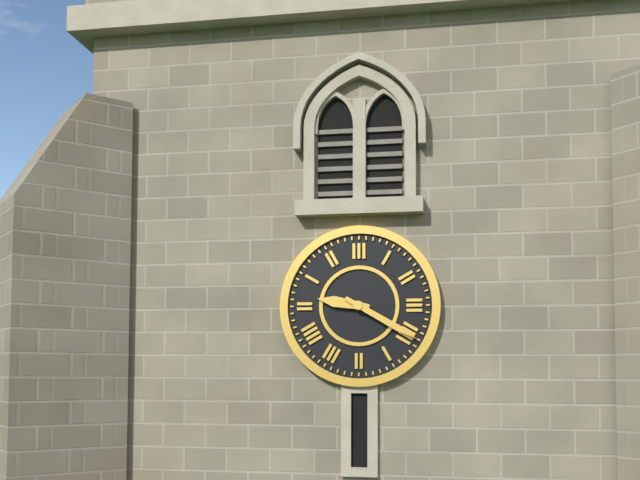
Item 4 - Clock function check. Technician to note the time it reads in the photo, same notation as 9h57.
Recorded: 9h20
